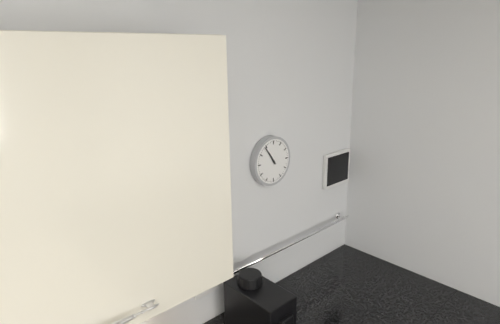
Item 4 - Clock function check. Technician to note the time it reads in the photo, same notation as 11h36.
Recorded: 10h54
